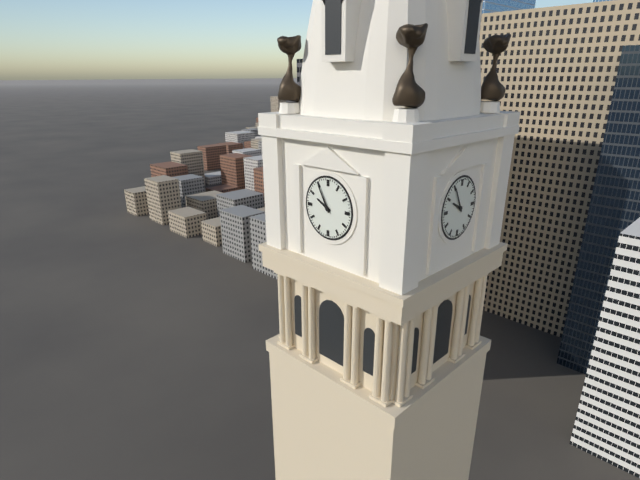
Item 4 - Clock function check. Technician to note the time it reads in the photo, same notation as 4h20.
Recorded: 9h55
